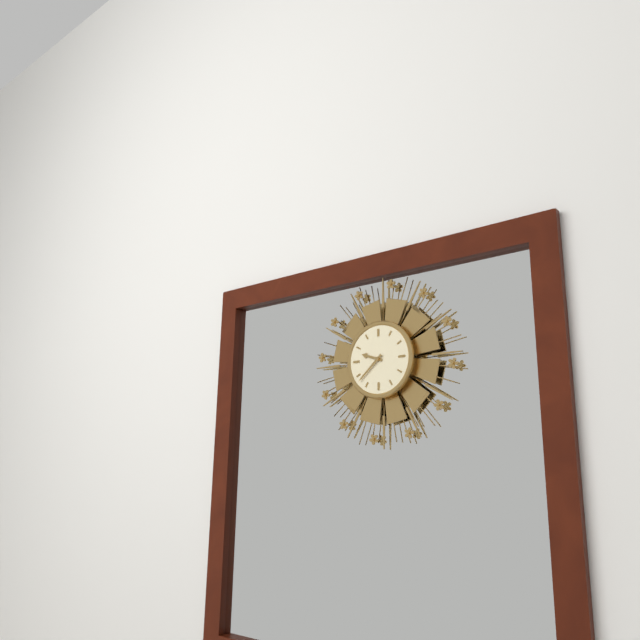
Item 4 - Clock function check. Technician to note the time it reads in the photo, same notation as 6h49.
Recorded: 9h38
